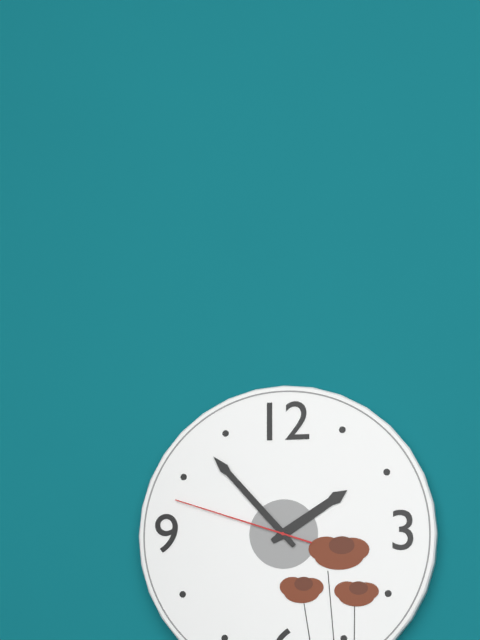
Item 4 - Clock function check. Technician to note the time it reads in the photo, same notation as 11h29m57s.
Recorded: 1h53m48s
